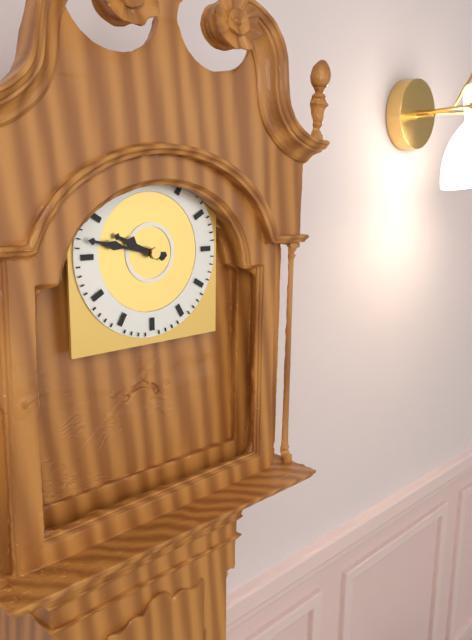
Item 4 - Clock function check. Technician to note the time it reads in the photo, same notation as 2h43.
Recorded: 9h47
